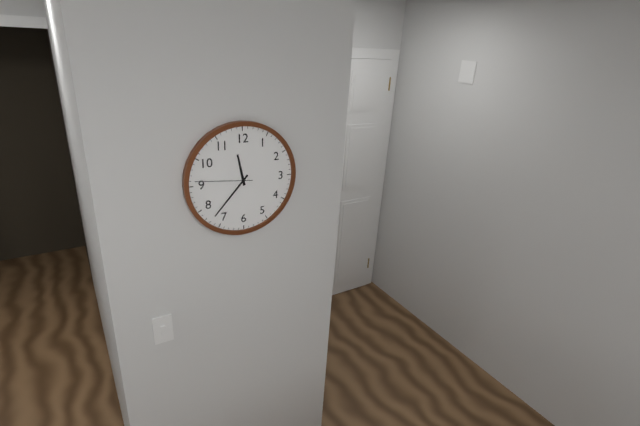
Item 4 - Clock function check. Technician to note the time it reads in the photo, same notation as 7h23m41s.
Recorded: 11h37m46s
